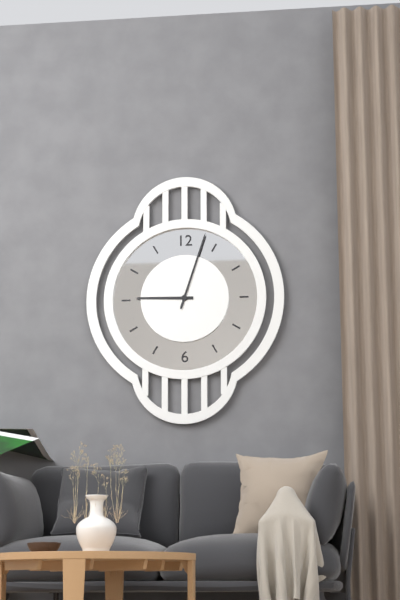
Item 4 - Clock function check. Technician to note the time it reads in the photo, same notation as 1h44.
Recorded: 9h03
